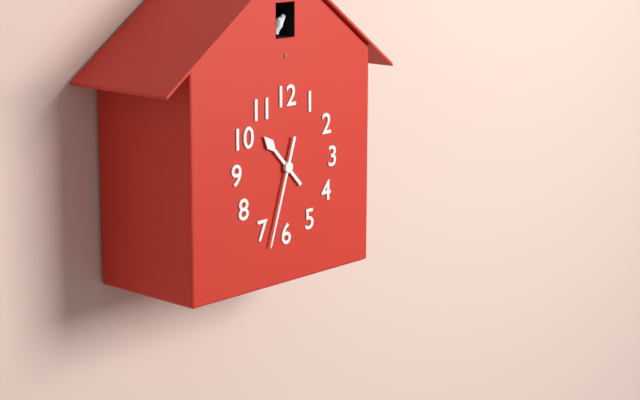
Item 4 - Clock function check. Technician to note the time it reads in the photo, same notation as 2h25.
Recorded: 10h33
